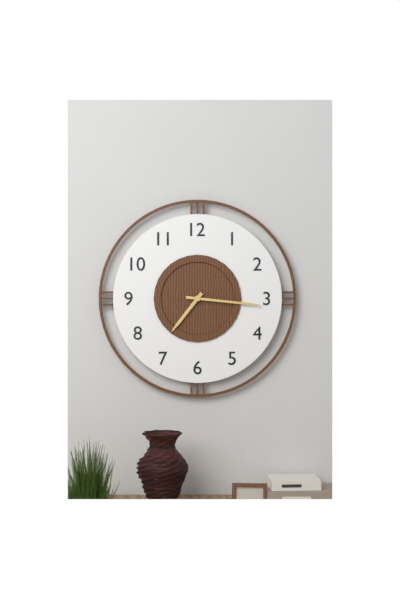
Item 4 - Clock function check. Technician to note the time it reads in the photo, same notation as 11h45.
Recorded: 7h16
